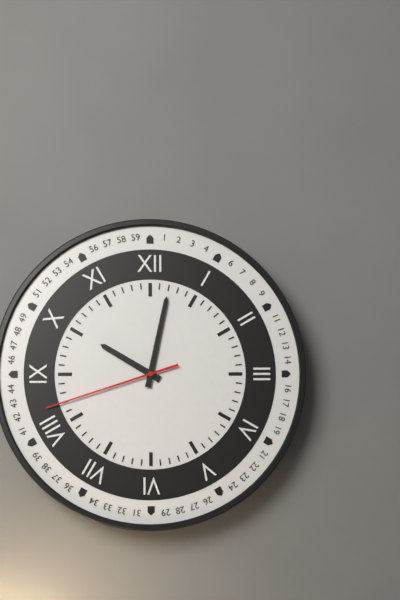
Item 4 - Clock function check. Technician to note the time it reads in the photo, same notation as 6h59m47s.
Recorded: 10h02m42s
